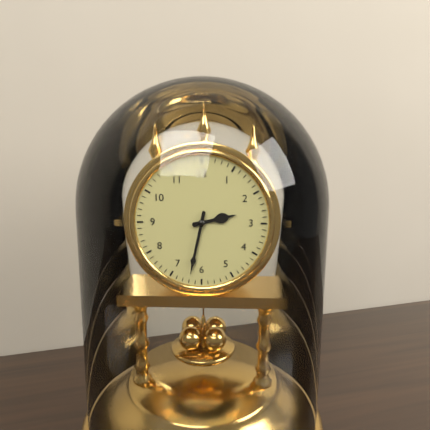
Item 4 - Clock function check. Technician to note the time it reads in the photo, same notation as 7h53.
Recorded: 2h32
